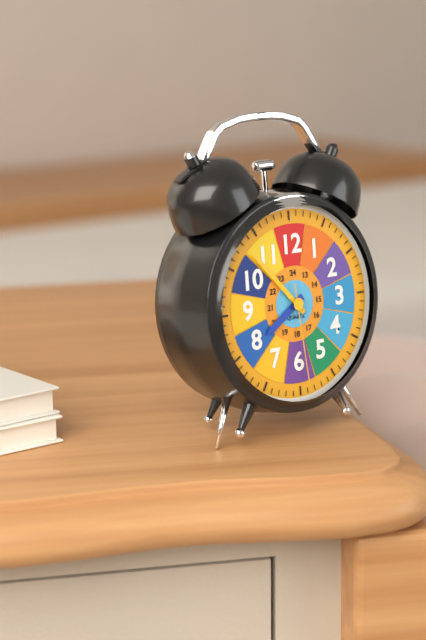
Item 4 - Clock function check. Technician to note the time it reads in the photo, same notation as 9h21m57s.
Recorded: 7h53m29s
